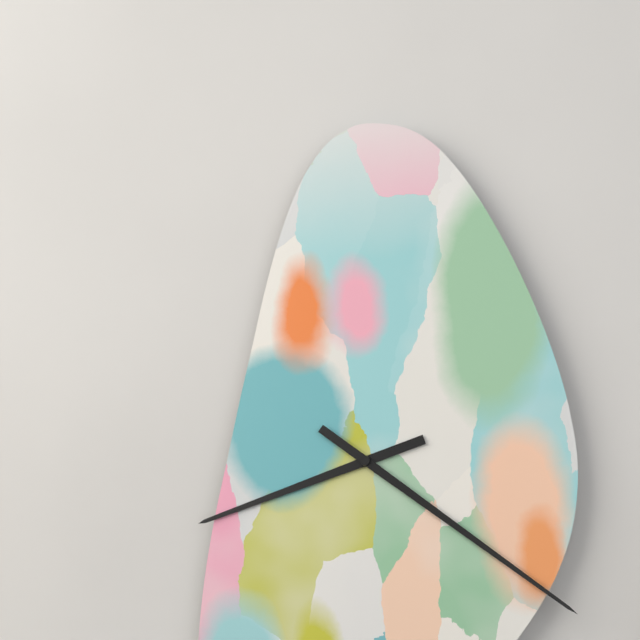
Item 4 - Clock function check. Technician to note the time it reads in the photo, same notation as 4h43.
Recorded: 8h21
